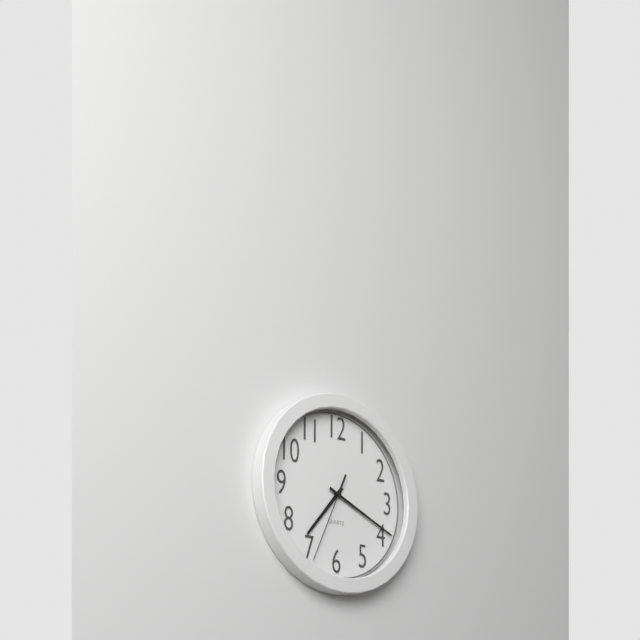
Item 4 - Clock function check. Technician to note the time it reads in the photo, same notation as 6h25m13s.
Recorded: 7h19m34s
